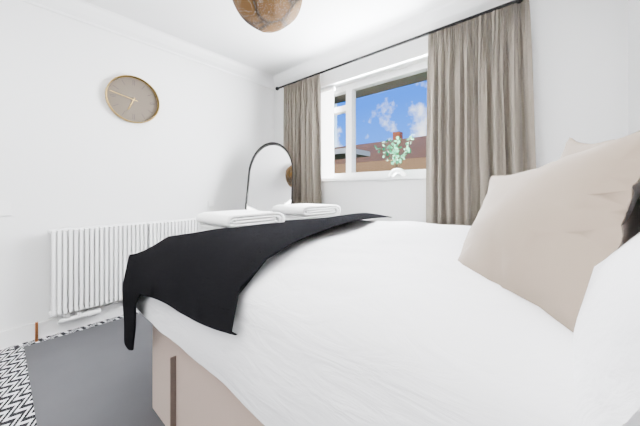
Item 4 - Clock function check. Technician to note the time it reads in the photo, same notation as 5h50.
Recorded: 6h47
